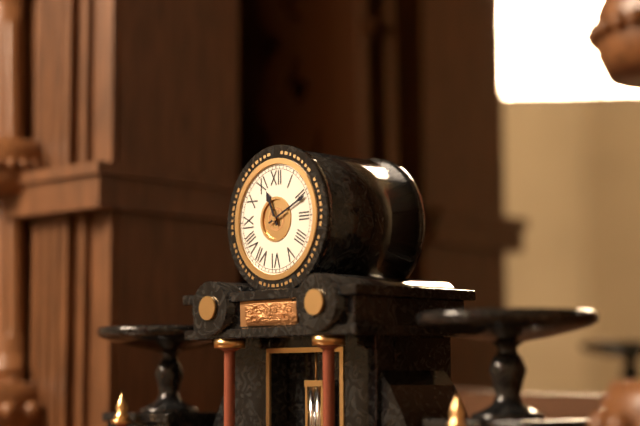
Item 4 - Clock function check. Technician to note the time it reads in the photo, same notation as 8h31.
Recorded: 11h11
